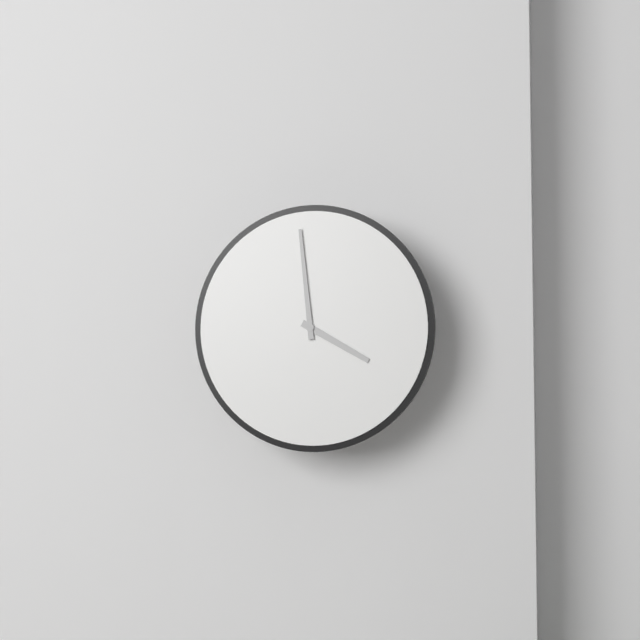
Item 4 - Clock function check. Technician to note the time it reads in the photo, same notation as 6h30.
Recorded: 3h59
